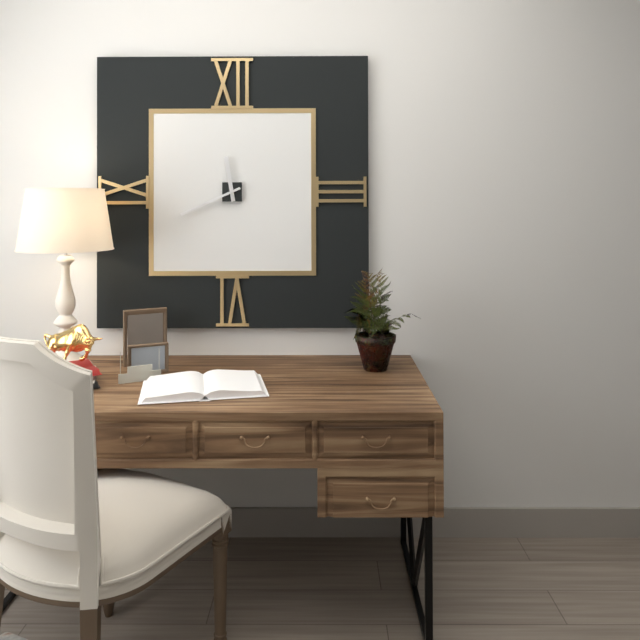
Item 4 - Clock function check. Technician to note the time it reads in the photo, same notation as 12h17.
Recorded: 11h41
